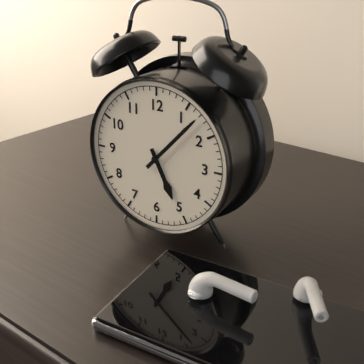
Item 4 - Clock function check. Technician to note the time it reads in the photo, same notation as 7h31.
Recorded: 5h07
